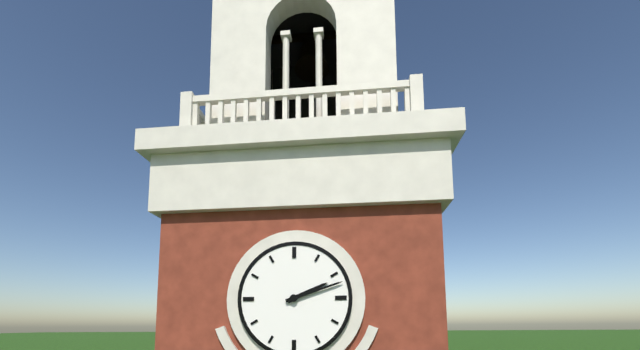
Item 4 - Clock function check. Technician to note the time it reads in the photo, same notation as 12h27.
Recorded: 2h12
